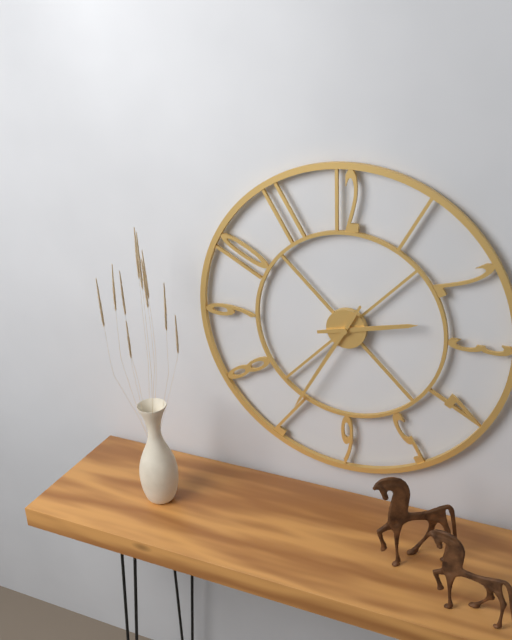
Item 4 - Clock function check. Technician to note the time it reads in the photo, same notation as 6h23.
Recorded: 2h35
